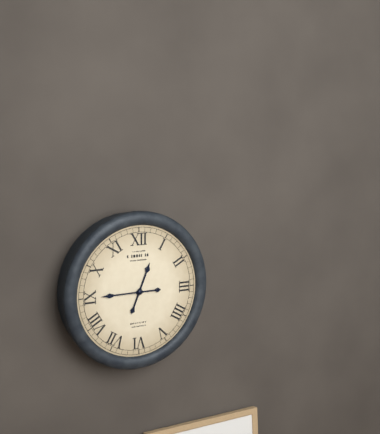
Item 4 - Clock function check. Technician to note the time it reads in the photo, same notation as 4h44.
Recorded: 12h45
